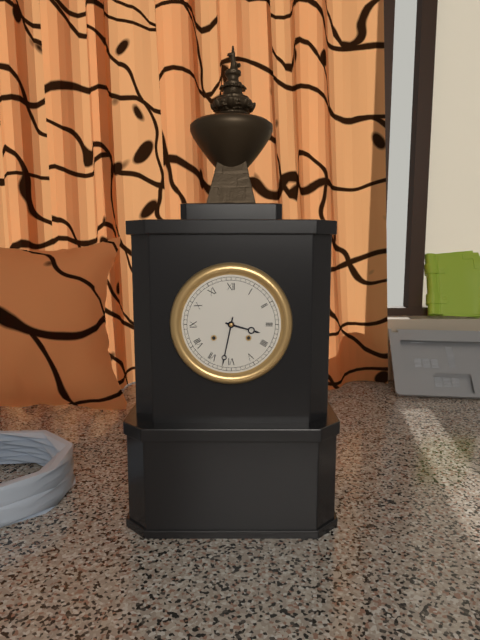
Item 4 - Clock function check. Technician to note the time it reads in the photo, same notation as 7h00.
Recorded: 3h32
